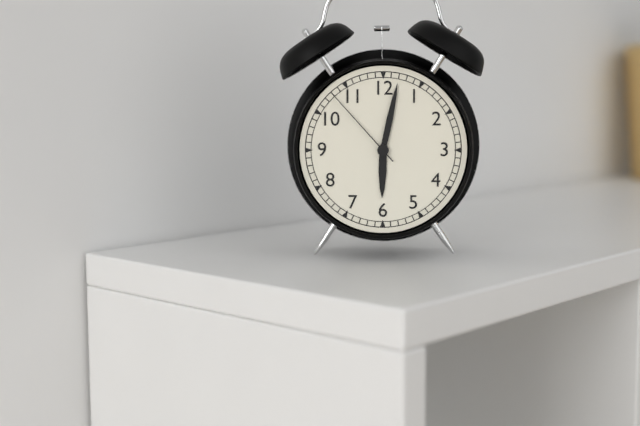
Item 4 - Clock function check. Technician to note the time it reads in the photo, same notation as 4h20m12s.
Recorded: 6h02m53s
